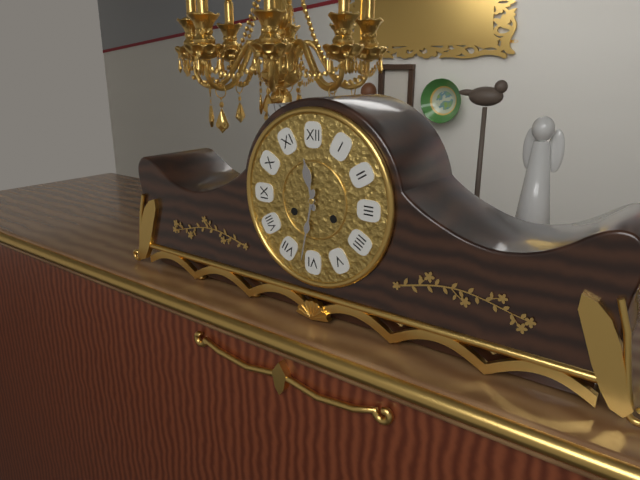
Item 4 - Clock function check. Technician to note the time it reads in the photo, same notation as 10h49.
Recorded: 11h32
